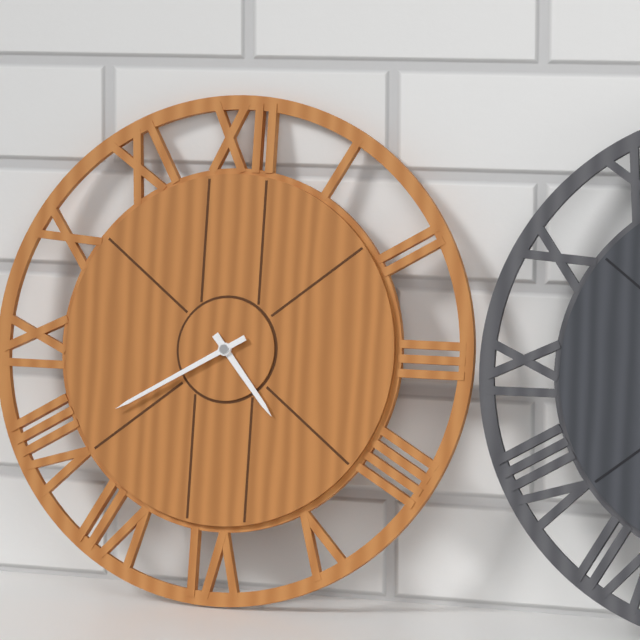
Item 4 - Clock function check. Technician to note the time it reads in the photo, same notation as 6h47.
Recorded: 4h40
